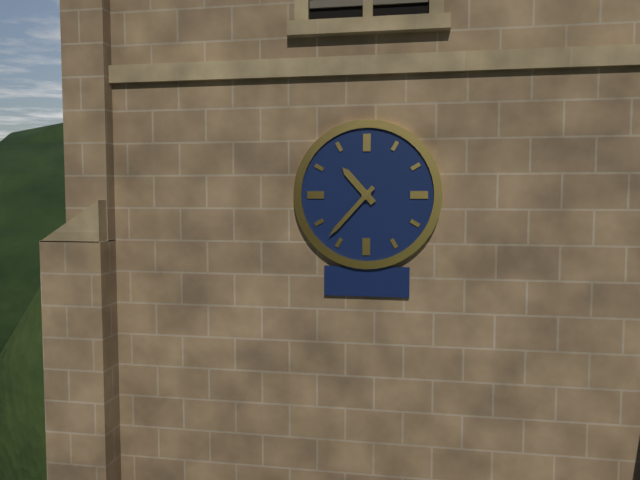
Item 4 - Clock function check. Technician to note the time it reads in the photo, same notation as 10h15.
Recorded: 10h37
